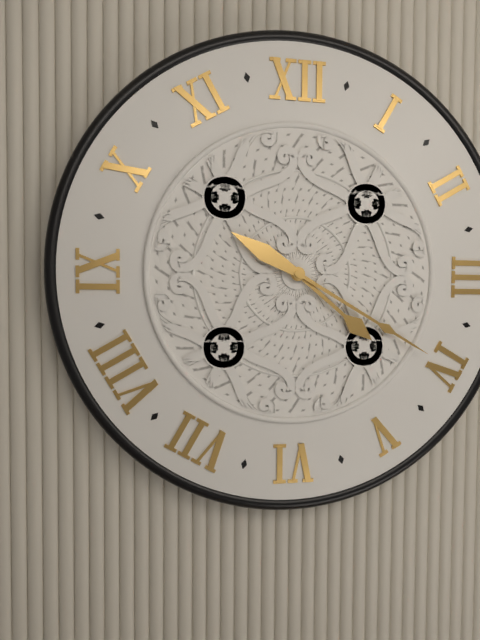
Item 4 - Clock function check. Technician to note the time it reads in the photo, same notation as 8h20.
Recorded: 4h20
